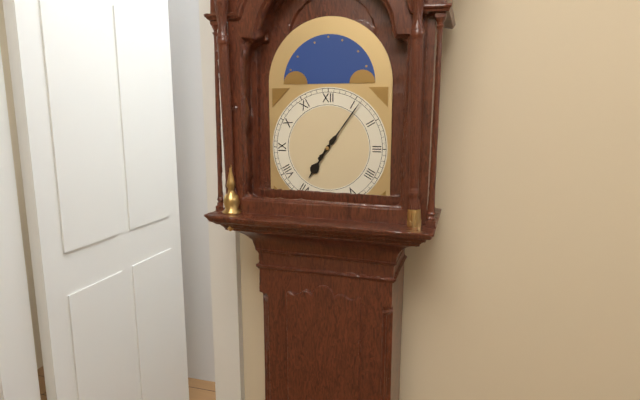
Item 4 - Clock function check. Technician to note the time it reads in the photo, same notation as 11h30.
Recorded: 7h06
